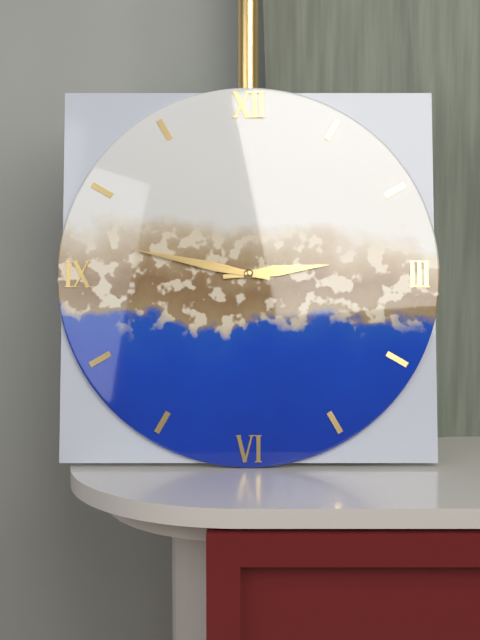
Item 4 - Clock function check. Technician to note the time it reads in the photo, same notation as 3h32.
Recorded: 2h47
